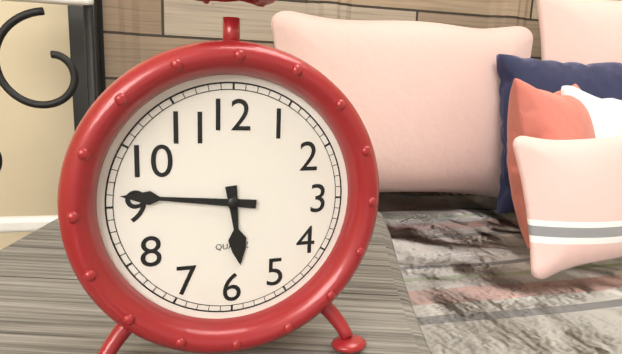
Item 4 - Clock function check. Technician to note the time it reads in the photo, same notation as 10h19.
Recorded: 5h46
